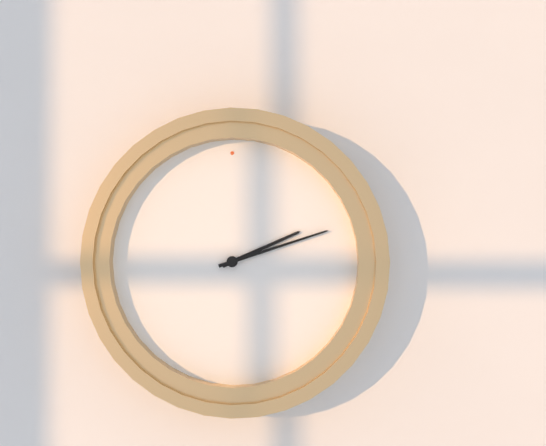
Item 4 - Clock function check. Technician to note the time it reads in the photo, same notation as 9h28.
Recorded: 2h12
